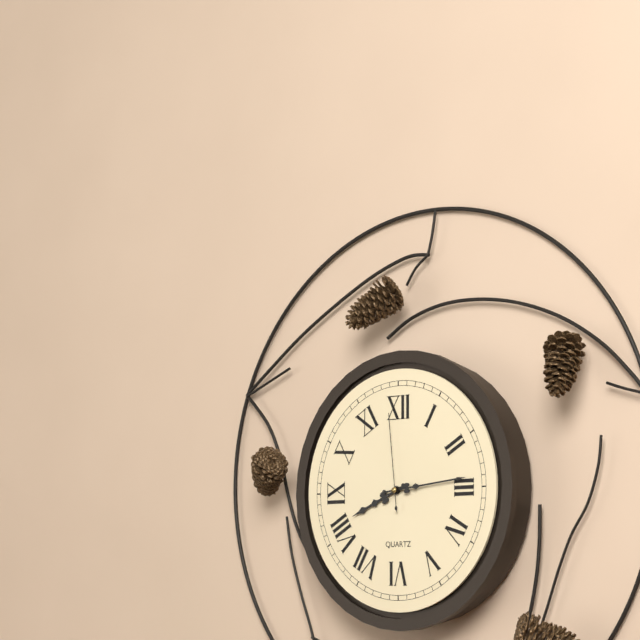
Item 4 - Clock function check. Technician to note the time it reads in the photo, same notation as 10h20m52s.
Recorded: 8h14m59s
